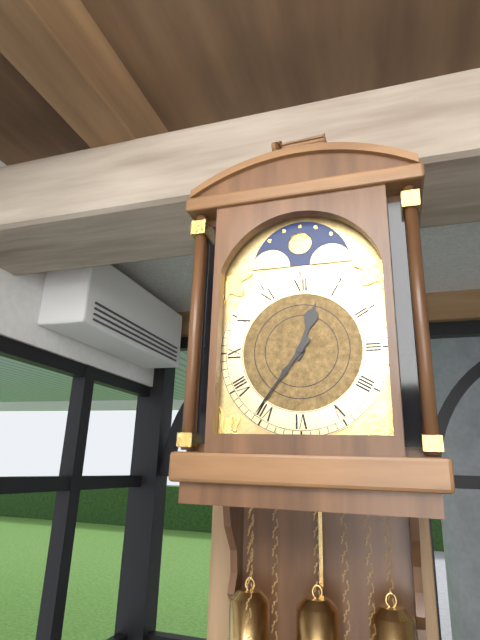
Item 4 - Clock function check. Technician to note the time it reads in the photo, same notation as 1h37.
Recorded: 12h36
